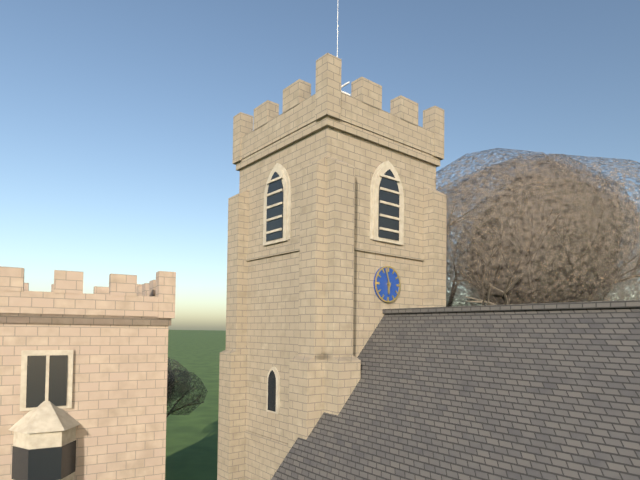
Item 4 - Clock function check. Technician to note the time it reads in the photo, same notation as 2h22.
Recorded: 5h57
